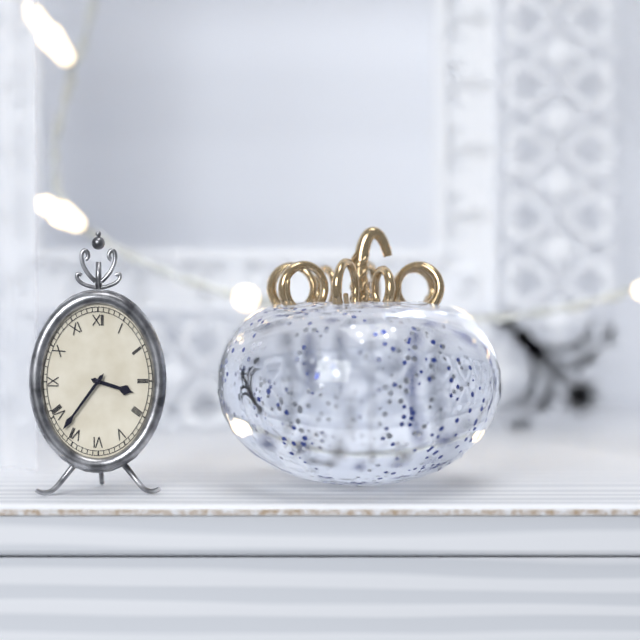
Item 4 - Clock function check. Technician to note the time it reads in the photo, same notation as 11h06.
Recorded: 3h36
